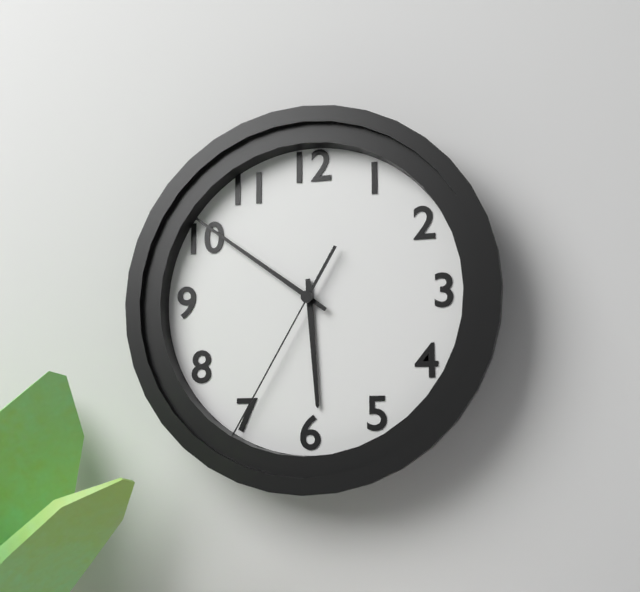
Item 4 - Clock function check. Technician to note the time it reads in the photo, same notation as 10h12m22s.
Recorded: 5h51m35s
